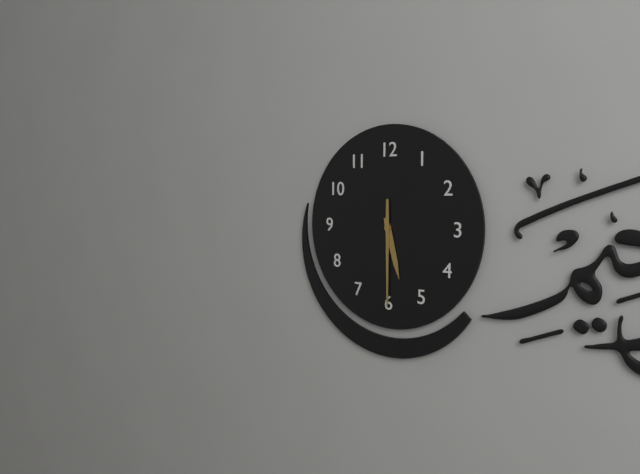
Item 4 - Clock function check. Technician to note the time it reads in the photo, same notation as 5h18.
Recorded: 5h30
